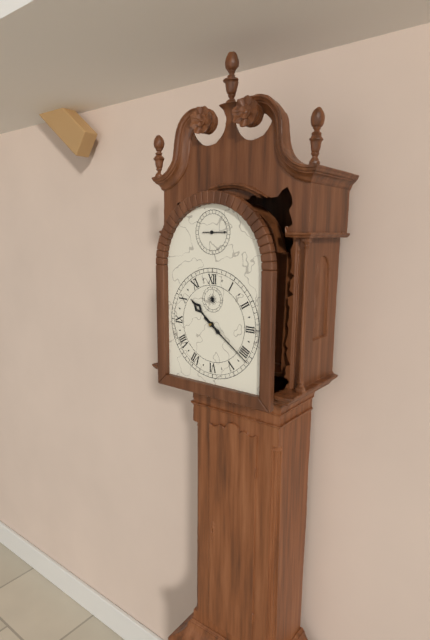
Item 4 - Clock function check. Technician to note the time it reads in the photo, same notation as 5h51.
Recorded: 10h21
